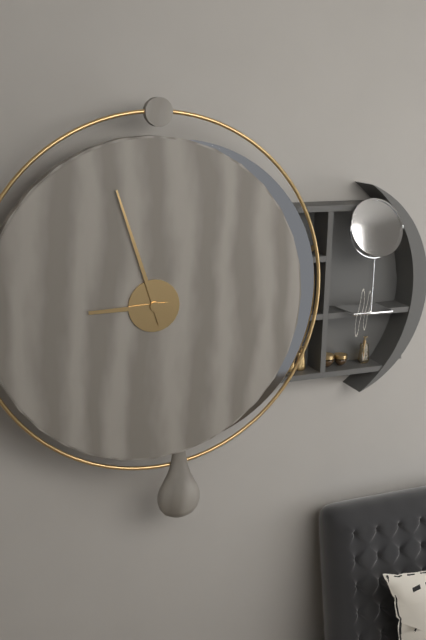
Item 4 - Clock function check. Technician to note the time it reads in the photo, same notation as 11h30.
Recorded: 8h57
